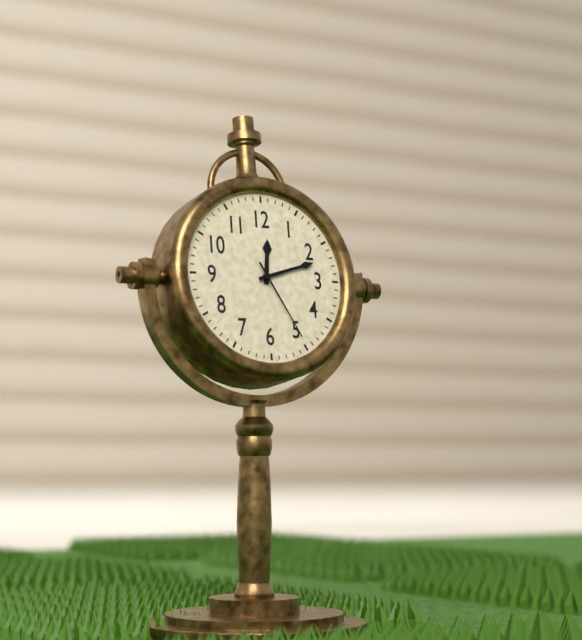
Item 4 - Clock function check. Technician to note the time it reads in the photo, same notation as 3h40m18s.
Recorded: 12h12m25s
